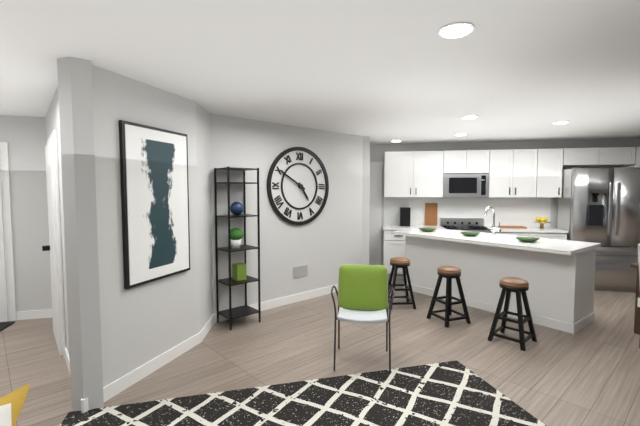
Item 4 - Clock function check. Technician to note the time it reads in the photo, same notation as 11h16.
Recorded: 4h50
